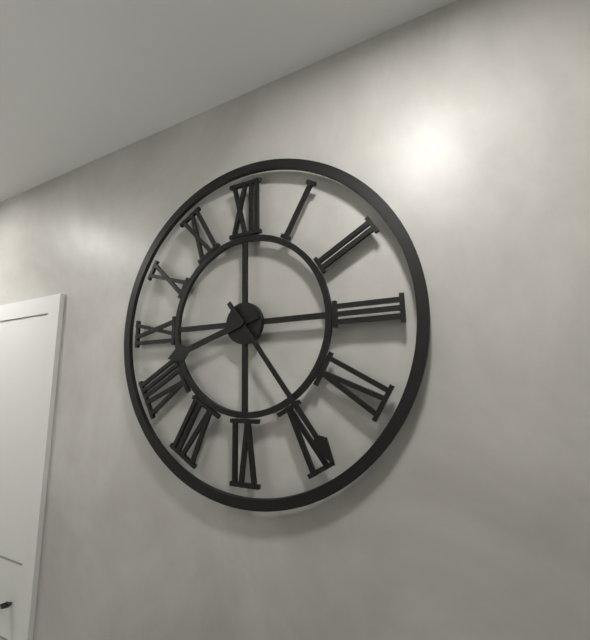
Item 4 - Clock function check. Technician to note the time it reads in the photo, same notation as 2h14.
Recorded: 8h24
